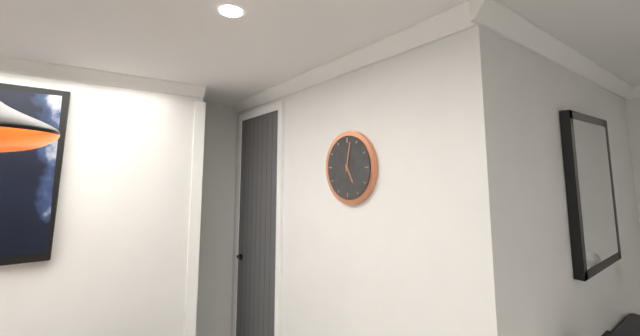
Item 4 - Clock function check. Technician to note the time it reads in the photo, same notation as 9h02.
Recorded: 5h02
